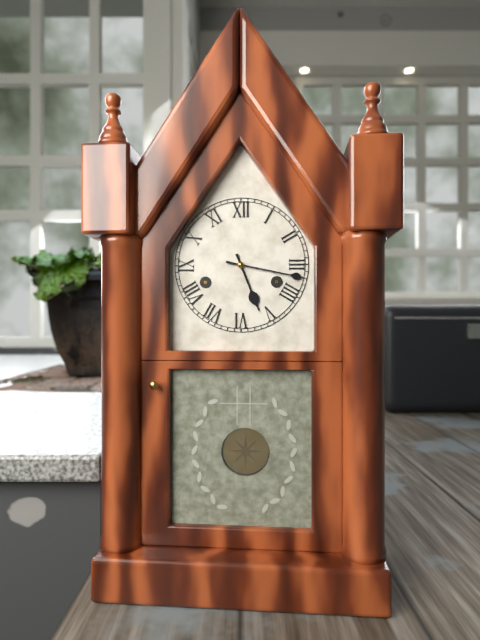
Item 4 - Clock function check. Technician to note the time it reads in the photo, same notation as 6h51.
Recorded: 5h17
